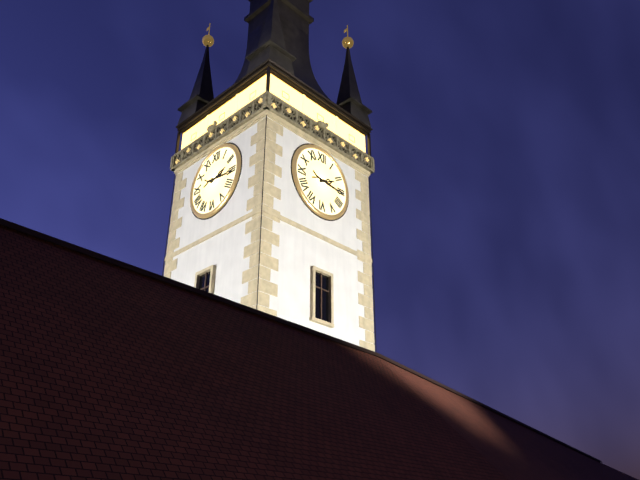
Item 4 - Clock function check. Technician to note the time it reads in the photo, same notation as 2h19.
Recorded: 2h16
